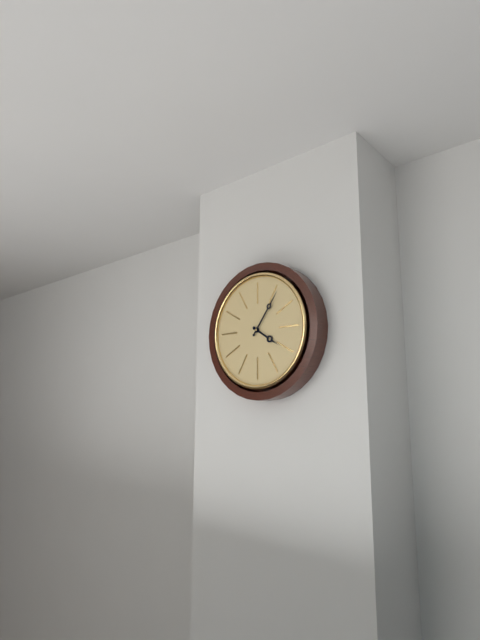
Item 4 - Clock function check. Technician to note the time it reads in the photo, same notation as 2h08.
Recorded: 4h06
